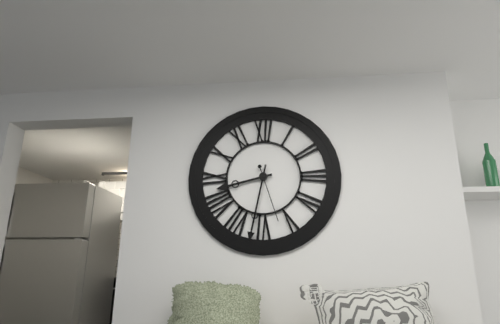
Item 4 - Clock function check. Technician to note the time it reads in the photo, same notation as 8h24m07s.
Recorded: 8h32m27s
